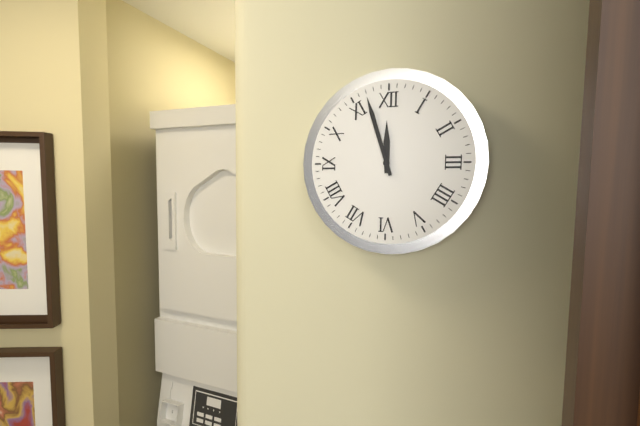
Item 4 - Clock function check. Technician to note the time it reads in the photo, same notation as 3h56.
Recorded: 11h57
